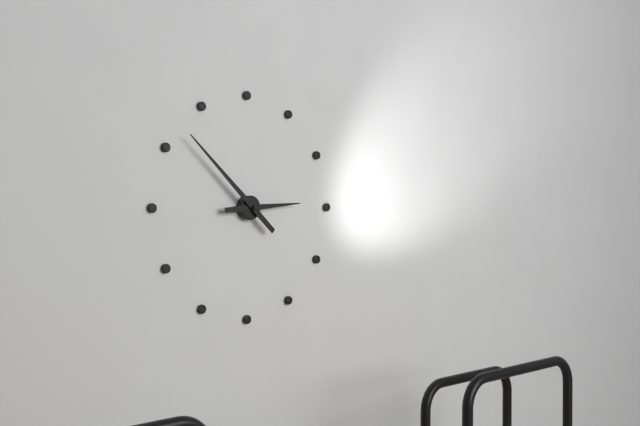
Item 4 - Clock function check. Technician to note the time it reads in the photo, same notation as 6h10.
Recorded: 2h52
